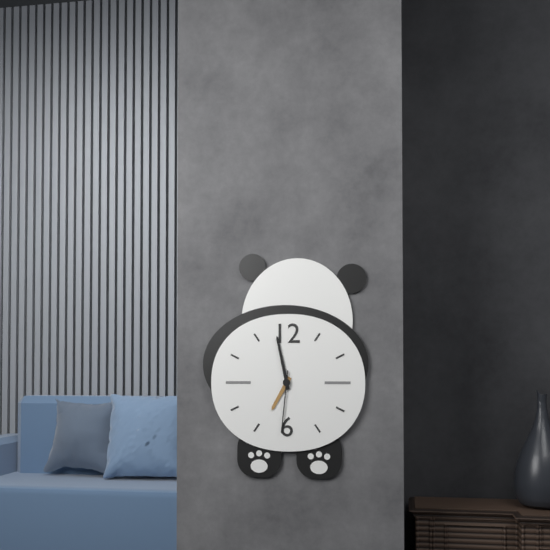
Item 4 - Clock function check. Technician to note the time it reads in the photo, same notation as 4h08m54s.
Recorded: 6h58m31s
